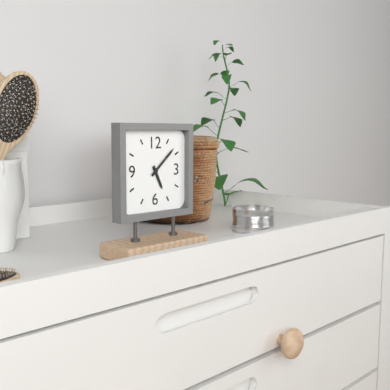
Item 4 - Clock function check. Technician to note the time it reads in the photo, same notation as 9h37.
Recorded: 5h08
